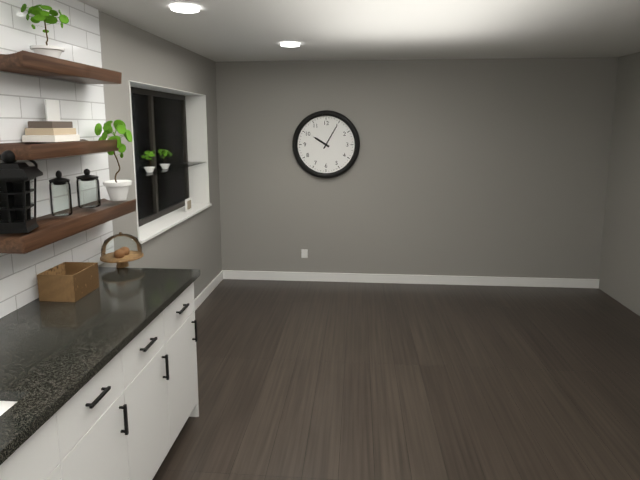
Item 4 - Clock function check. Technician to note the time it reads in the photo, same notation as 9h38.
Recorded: 10h05
